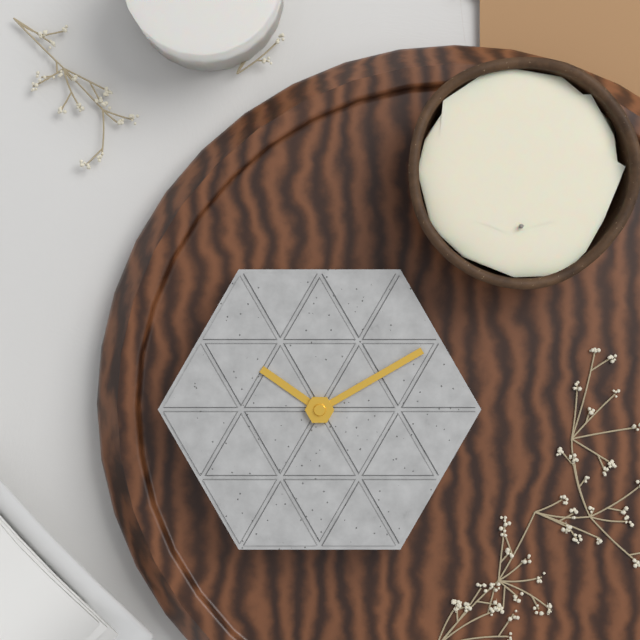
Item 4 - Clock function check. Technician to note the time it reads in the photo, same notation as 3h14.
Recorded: 10h10
